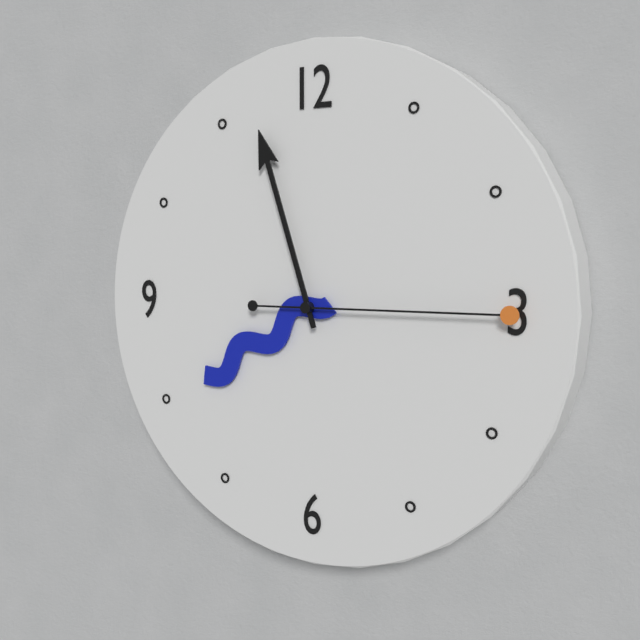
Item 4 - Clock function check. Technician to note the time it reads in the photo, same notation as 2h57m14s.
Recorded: 7h57m15s
